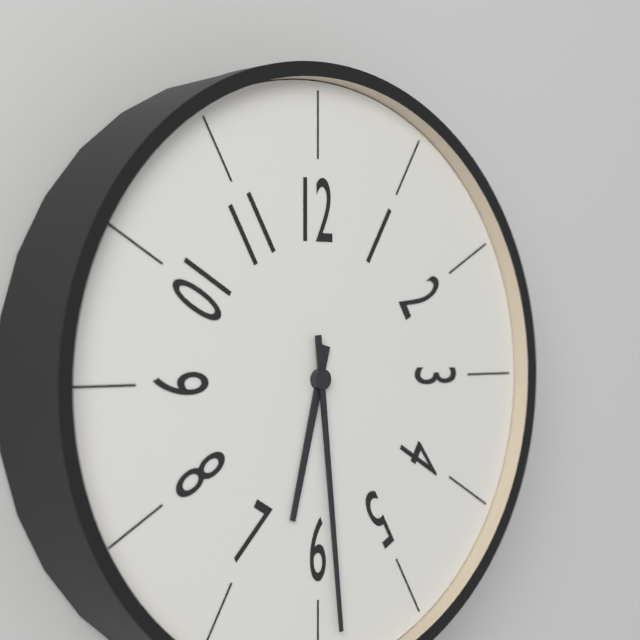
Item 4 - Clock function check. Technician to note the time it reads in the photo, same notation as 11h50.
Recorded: 6h29
